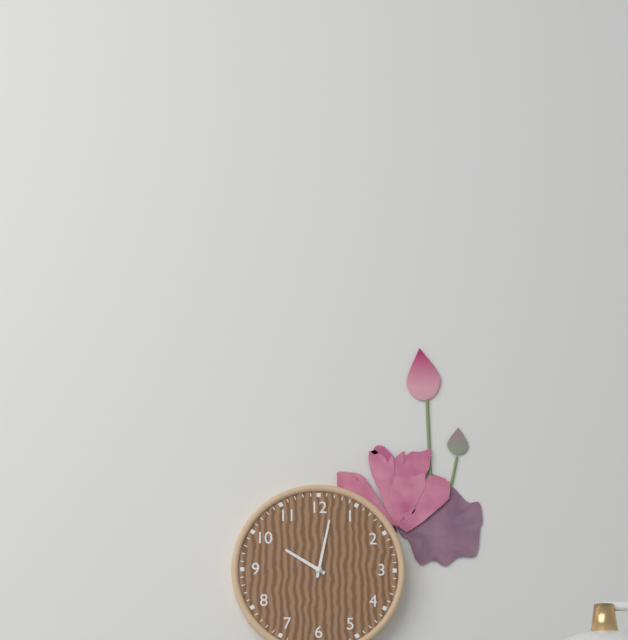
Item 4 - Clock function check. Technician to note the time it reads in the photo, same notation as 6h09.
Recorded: 10h02
